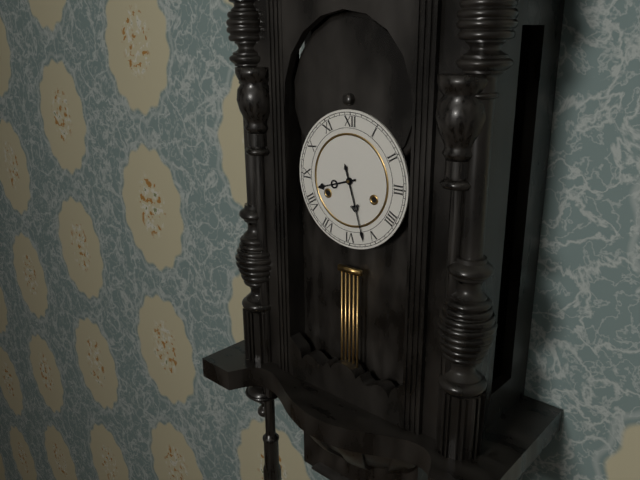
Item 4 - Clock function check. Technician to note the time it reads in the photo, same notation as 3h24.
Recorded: 8h27
